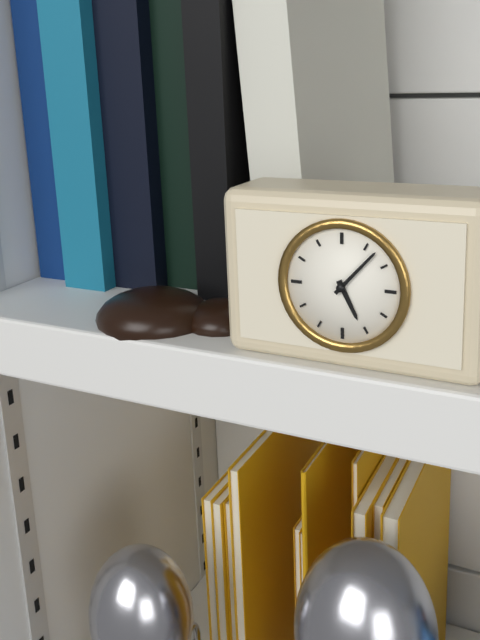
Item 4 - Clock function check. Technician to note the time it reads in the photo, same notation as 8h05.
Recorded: 5h07
